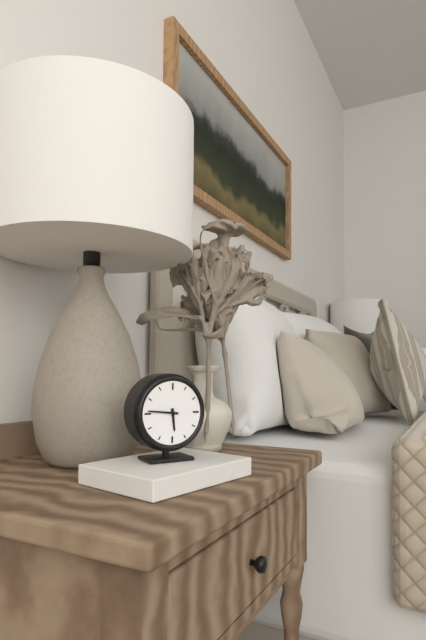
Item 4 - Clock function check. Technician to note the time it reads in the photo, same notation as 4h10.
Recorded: 5h46
